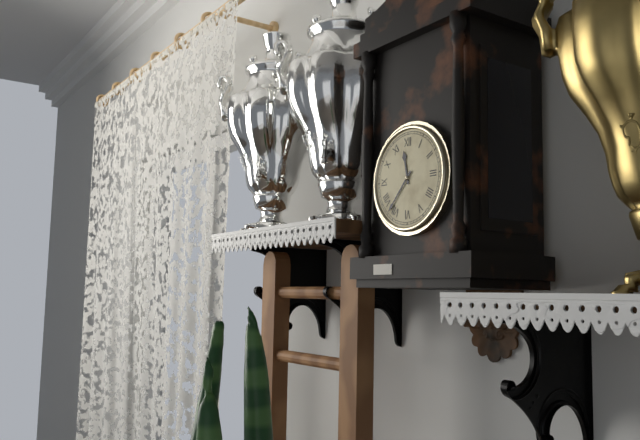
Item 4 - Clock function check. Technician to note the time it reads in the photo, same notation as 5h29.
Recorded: 11h37
